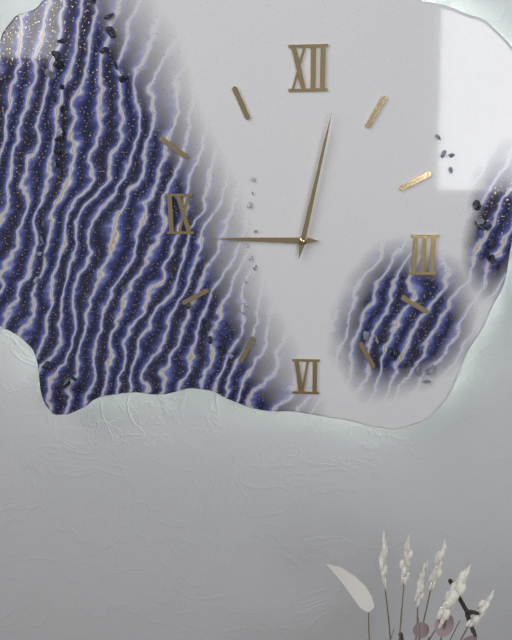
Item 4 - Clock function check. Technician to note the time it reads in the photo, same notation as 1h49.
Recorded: 9h02
